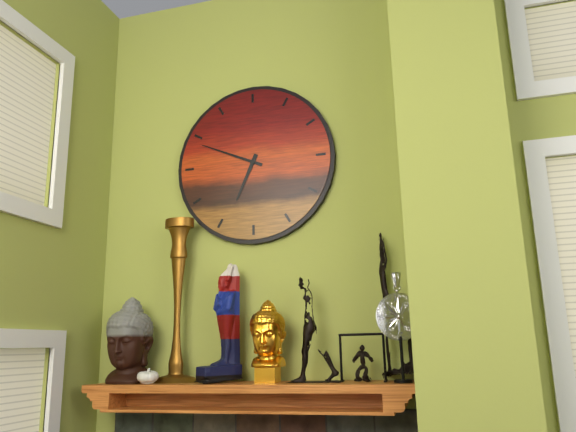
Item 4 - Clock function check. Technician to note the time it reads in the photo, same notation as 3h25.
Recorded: 6h49
